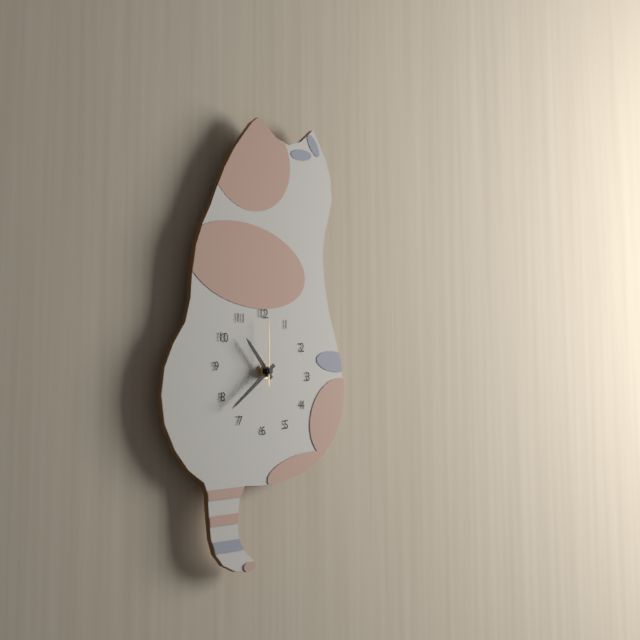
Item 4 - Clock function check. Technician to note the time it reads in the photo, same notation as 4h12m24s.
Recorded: 10h38m00s
